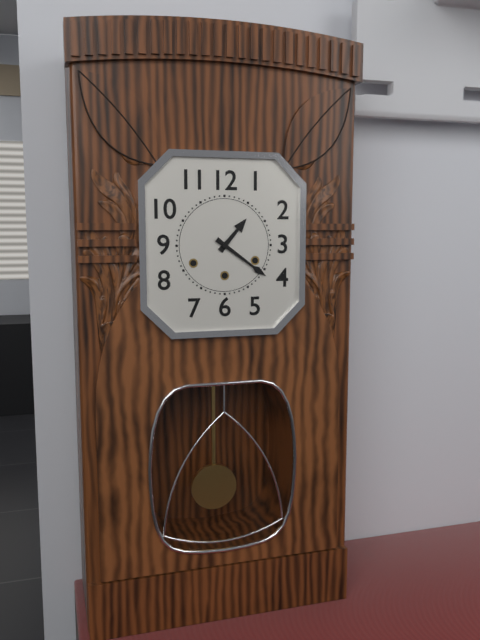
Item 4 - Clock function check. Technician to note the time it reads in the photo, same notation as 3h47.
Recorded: 1h21
